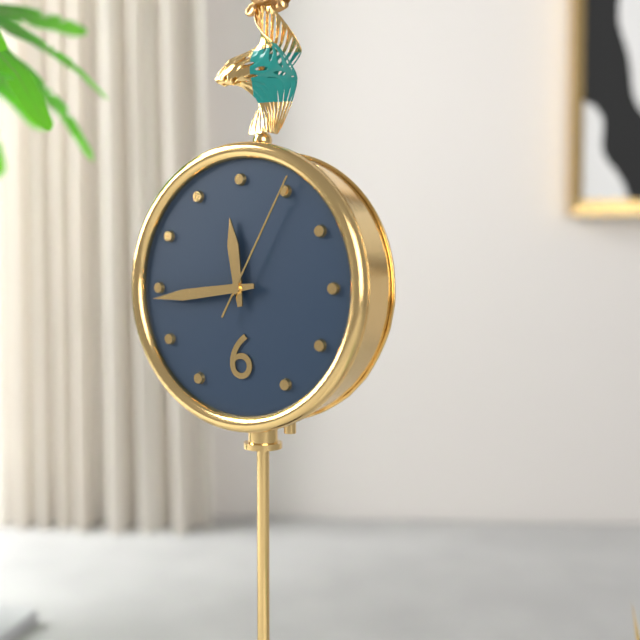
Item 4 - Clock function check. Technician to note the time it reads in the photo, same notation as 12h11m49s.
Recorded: 11h44m05s
